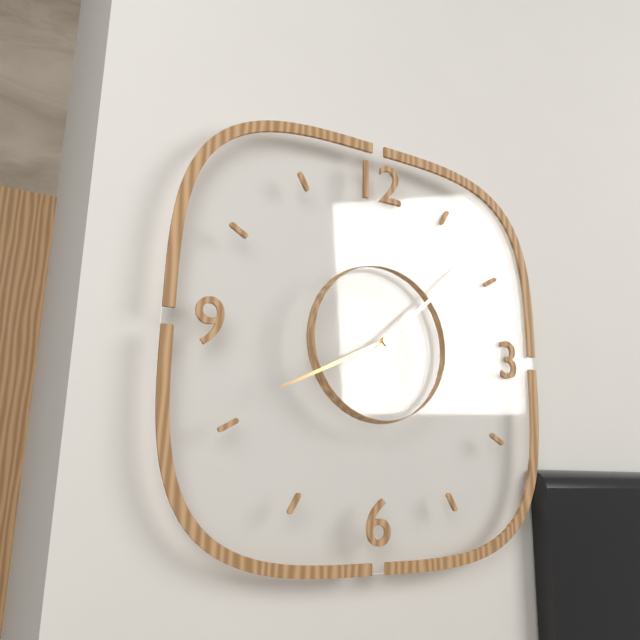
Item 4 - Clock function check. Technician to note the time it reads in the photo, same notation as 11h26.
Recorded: 8h08
